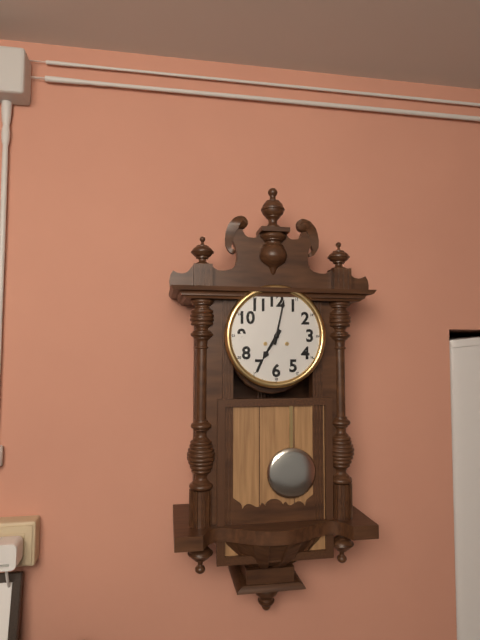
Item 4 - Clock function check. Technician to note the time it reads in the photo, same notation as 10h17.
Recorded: 7h02
